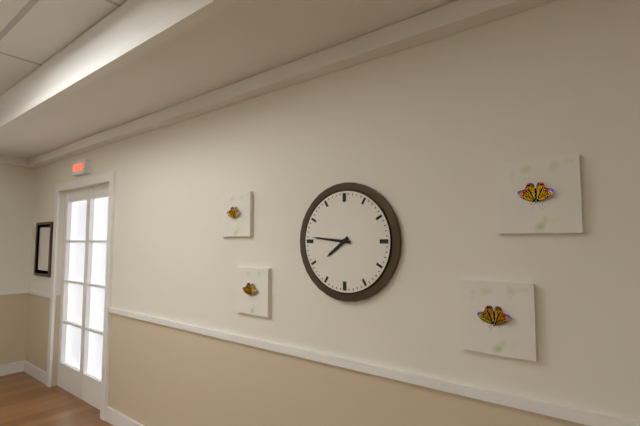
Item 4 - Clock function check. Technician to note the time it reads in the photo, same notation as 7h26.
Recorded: 7h46
